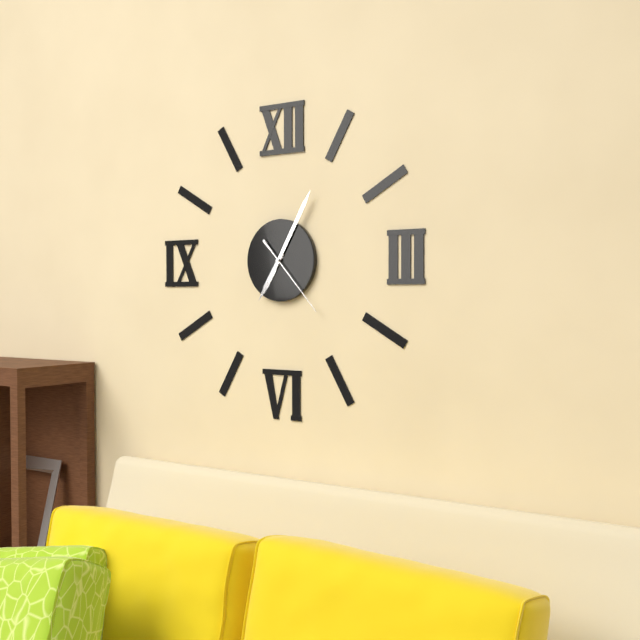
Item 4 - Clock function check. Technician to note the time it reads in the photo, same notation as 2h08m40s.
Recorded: 7h05m23s
